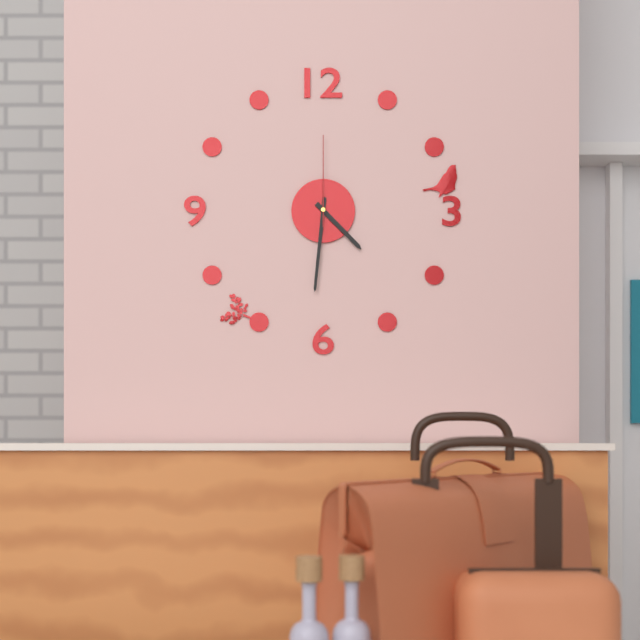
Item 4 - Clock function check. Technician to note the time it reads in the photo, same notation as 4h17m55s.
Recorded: 4h31m00s
